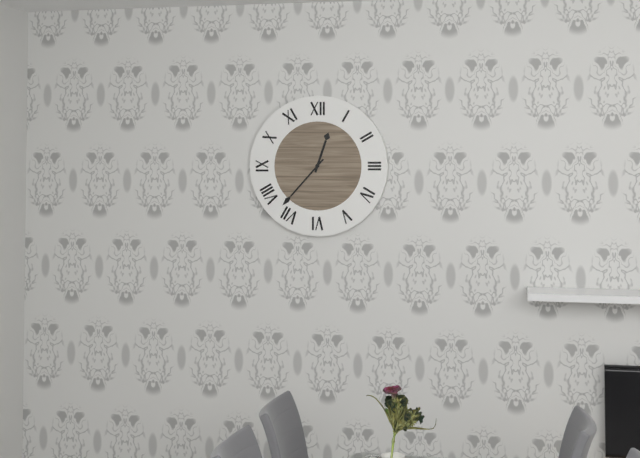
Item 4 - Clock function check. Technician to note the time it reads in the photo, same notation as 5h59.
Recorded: 12h37
